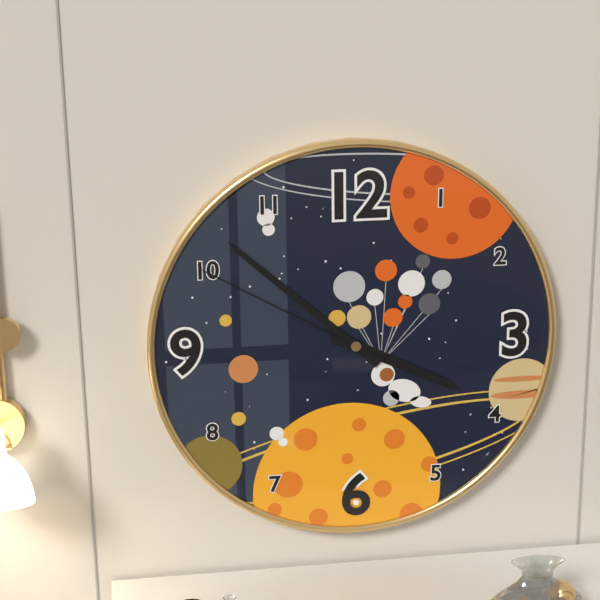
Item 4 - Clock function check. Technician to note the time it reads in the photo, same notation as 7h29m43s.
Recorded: 3h52m50s
